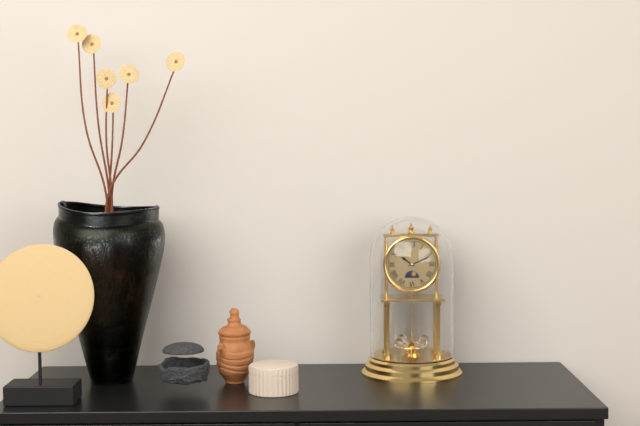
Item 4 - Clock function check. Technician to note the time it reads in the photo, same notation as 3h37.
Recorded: 10h11
